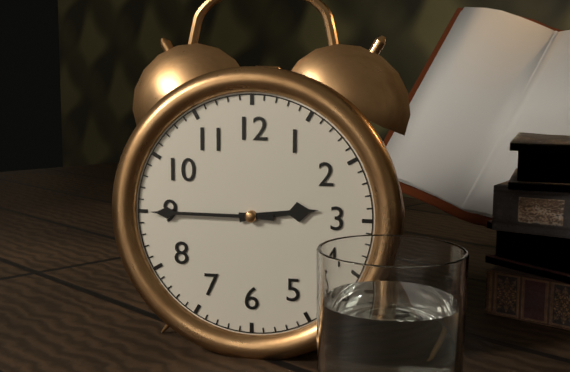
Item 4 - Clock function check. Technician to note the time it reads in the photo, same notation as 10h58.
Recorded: 2h45
